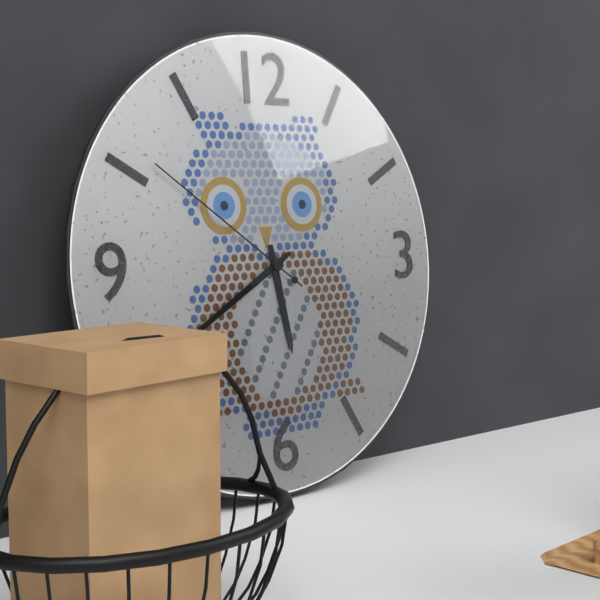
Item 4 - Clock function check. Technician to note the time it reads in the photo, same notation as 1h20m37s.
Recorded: 5h40m51s
